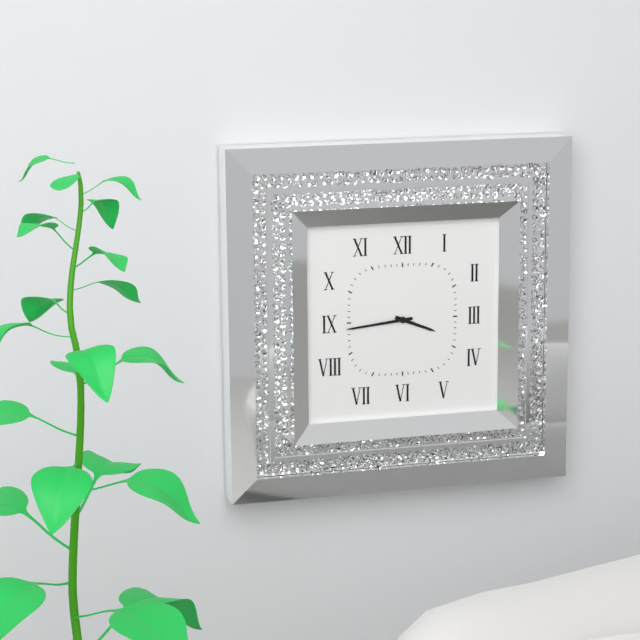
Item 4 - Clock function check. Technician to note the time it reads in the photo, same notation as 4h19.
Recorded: 3h44
